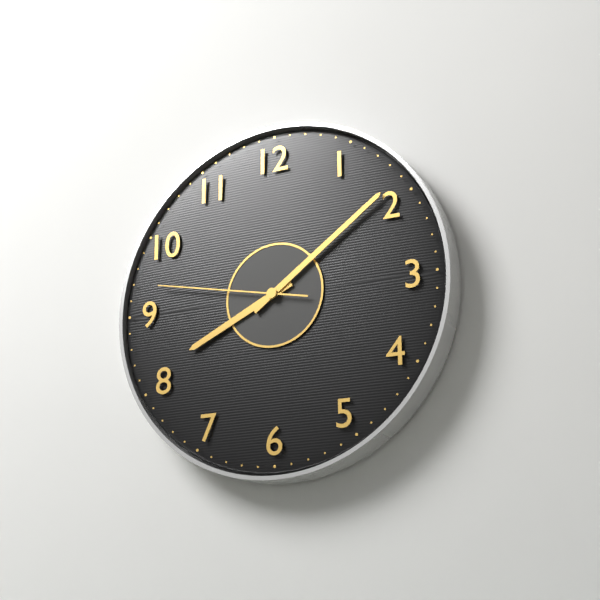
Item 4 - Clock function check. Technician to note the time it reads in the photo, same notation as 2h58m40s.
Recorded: 8h09m47s
